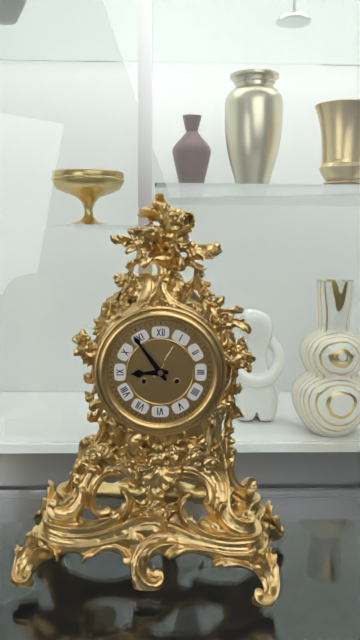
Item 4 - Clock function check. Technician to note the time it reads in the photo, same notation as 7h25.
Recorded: 8h54
